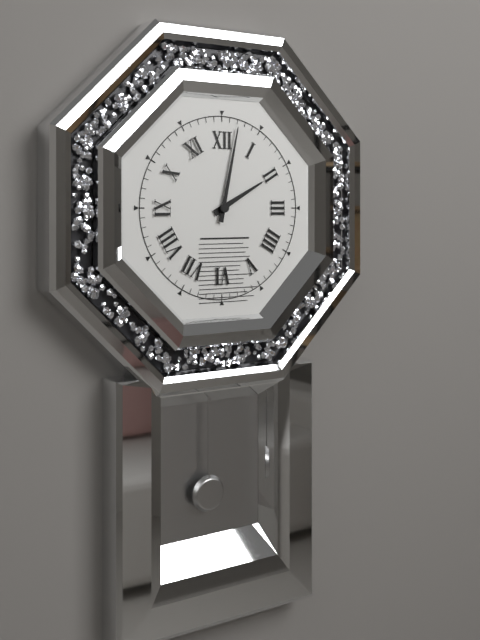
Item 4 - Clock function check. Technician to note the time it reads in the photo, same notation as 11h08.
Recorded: 2h02
